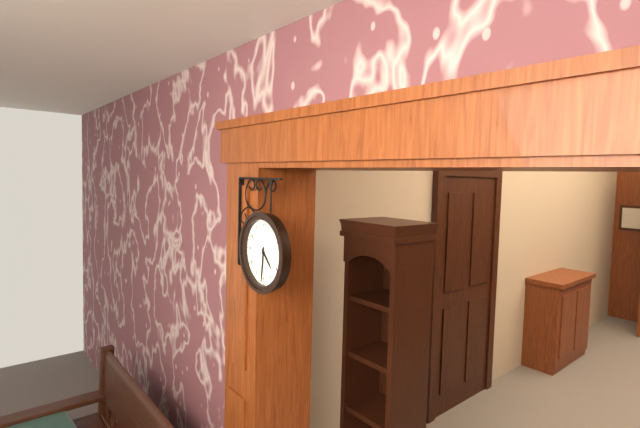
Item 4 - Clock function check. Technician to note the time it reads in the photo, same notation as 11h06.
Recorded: 4h31
